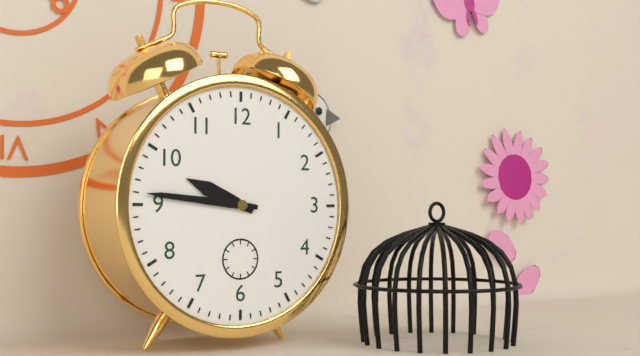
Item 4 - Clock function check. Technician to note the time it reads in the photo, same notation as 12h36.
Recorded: 9h46
